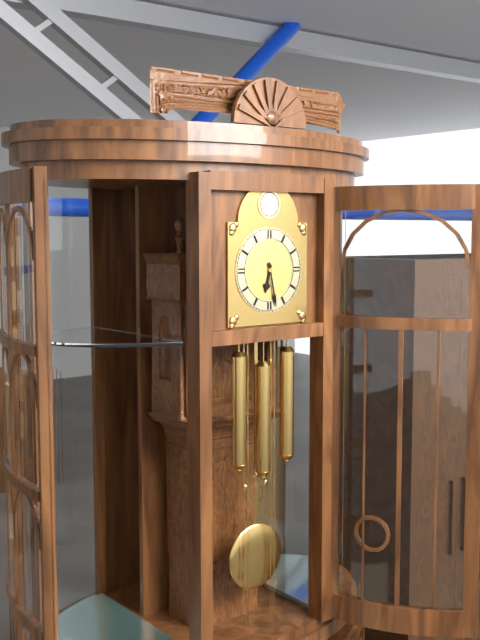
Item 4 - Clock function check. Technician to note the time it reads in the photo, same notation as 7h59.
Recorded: 6h28
